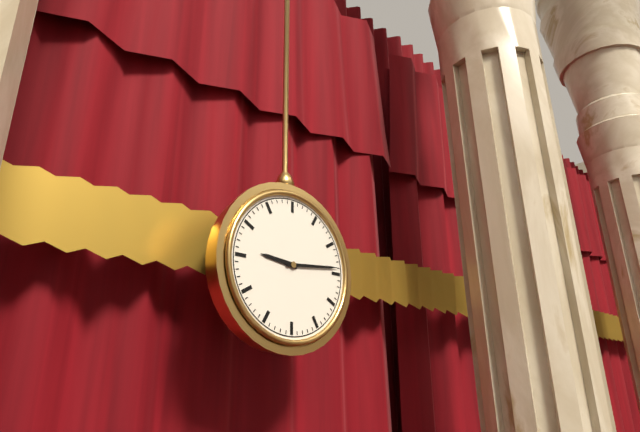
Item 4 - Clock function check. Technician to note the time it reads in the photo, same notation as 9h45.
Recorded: 9h14
